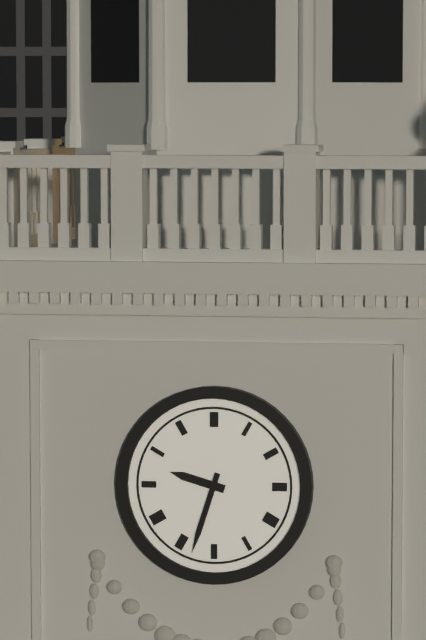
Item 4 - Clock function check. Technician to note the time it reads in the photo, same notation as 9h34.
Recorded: 9h33
